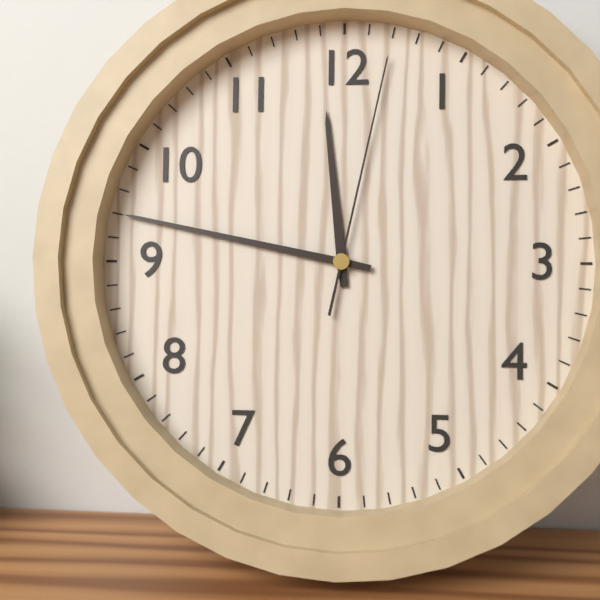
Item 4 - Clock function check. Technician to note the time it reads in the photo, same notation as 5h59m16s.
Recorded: 11h47m02s
